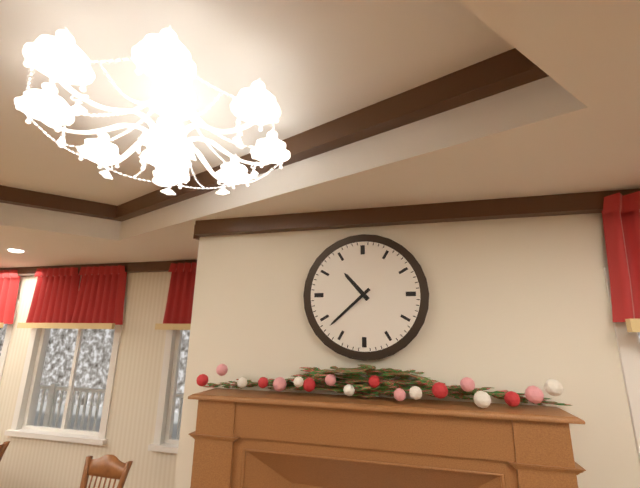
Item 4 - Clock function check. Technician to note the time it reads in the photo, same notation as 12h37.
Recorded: 10h38
